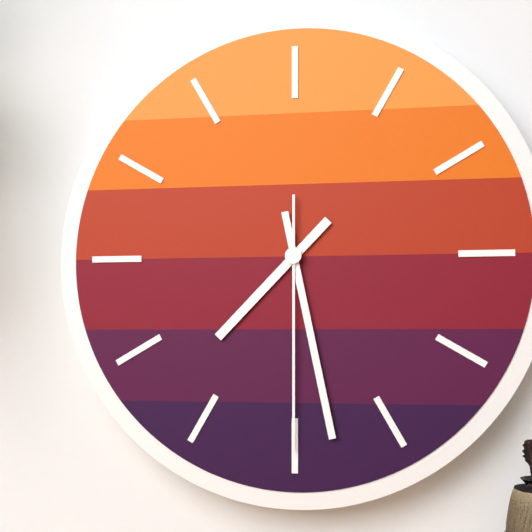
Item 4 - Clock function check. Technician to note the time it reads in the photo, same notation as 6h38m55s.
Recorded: 7h28m30s
